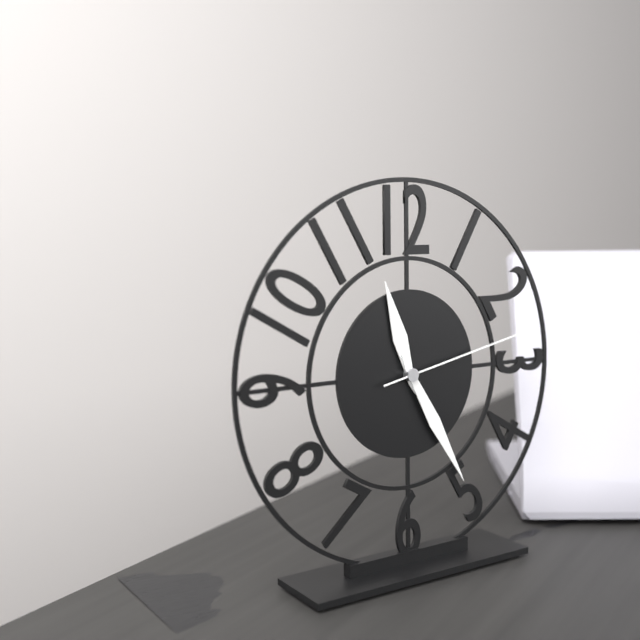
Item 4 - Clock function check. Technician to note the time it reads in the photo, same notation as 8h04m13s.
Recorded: 11h25m13s
